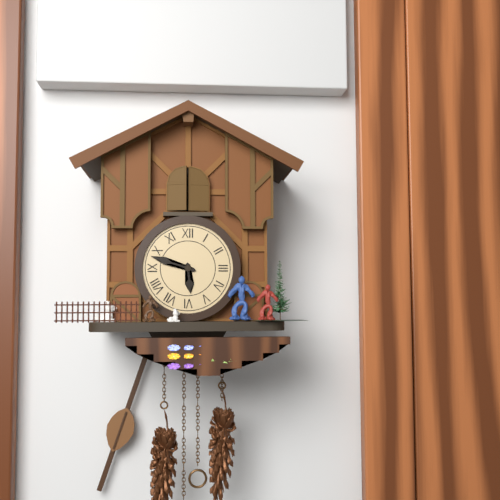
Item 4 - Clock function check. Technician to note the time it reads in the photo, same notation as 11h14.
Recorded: 5h48
